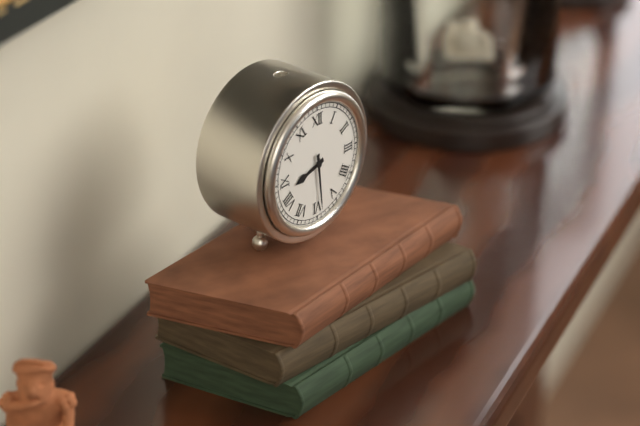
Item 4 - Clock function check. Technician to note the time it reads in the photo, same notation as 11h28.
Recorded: 8h29
